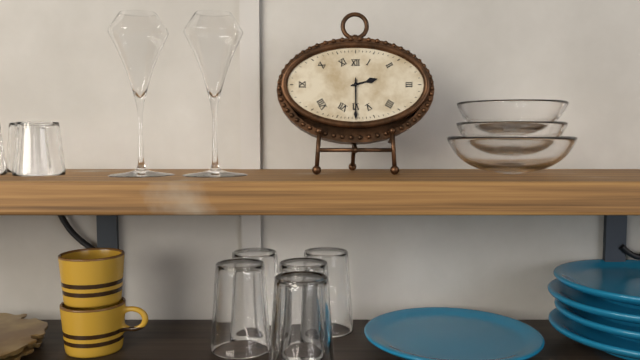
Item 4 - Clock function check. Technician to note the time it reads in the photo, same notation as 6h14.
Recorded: 2h30
